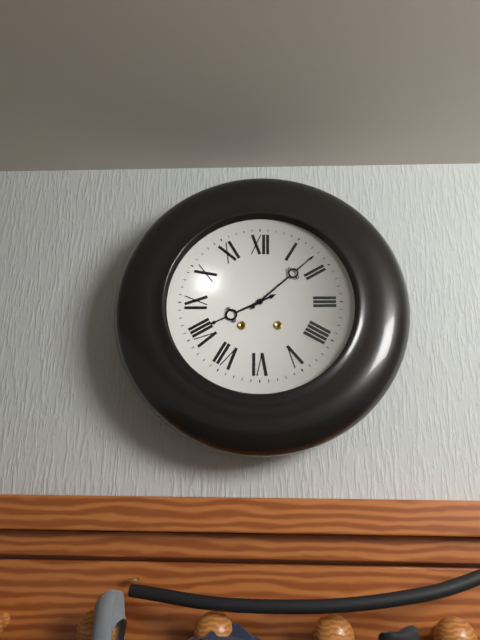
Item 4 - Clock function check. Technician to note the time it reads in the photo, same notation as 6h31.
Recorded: 8h08
